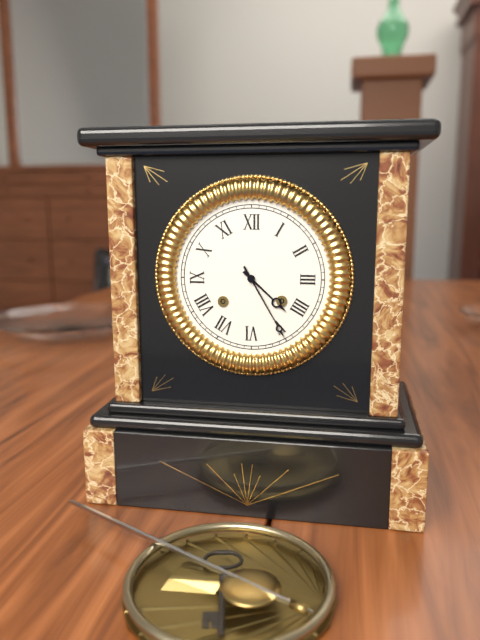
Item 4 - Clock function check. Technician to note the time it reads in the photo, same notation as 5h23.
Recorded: 4h25
